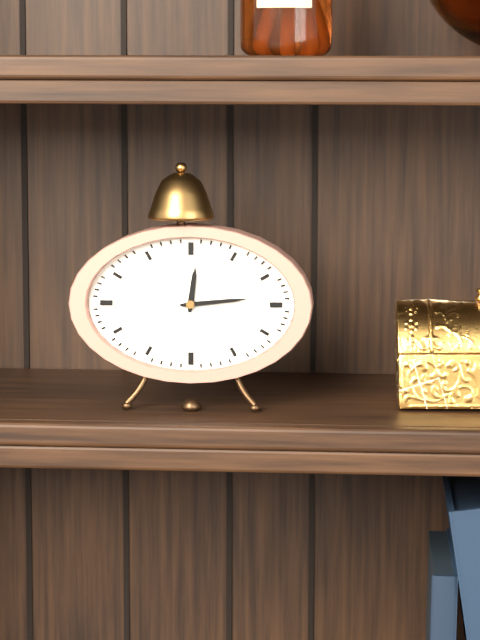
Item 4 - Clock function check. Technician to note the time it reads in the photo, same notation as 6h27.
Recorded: 12h14
